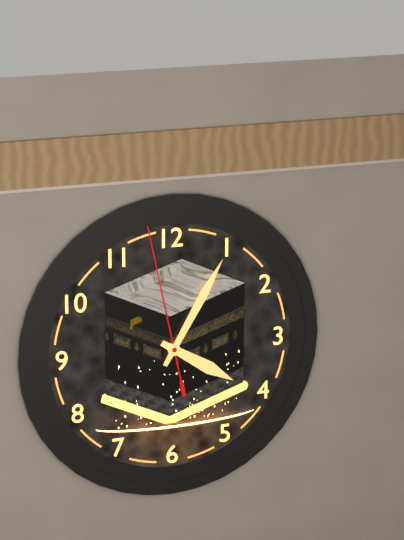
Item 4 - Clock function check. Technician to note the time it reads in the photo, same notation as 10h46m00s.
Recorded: 4h05m58s
